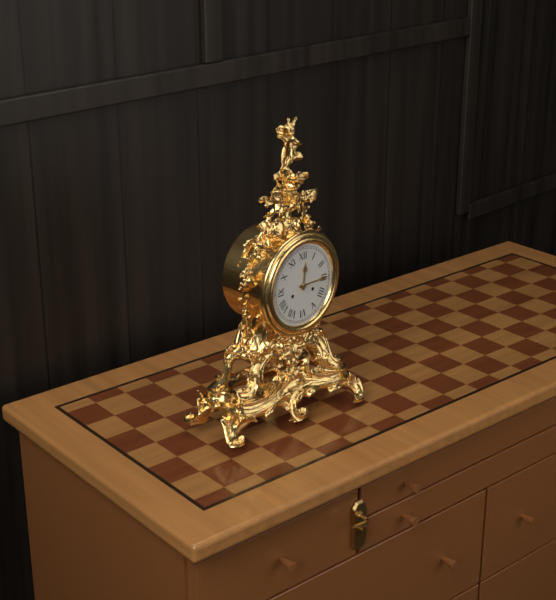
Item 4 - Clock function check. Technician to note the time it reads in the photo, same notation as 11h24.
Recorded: 12h15
